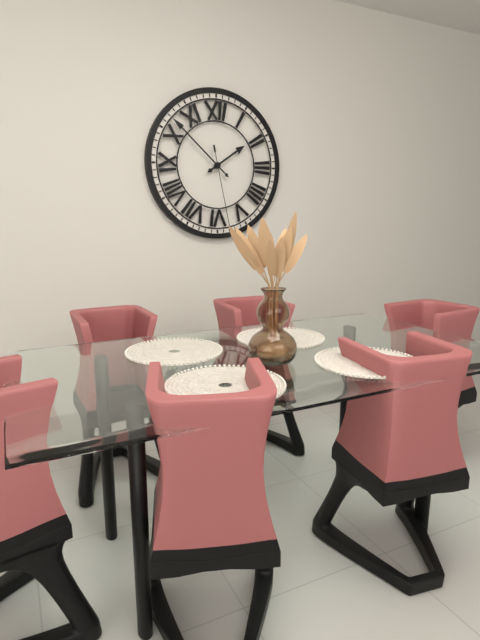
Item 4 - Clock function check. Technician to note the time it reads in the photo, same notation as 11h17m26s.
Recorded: 1h52m28s
